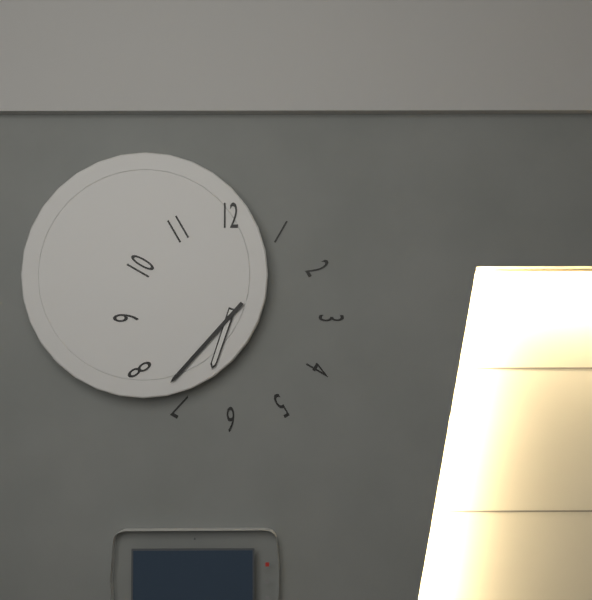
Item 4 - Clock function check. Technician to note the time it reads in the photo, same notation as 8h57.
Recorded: 6h37
